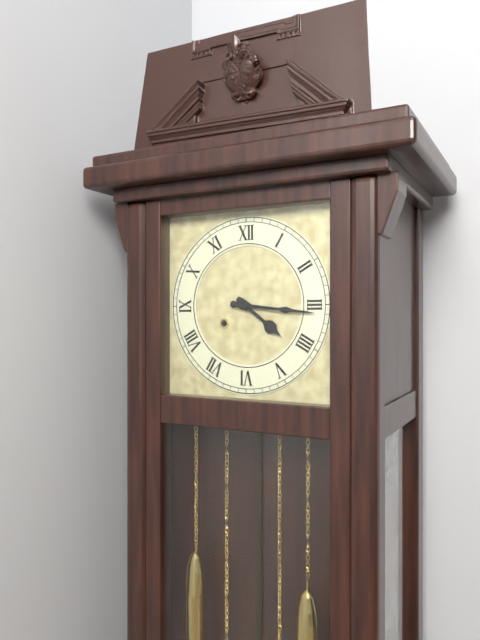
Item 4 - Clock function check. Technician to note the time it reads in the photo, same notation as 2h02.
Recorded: 4h16
